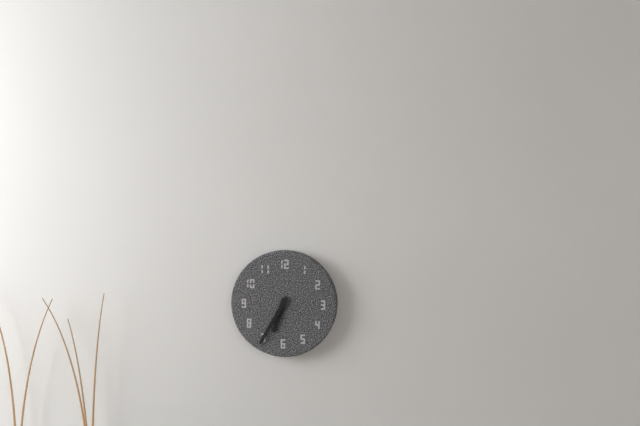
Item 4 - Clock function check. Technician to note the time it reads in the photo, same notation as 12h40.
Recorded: 6h35
